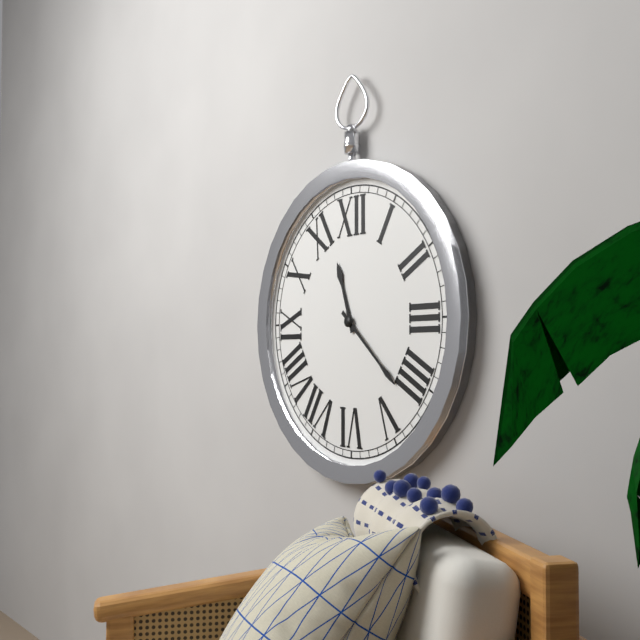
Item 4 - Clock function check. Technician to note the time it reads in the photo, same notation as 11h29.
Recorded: 11h22
